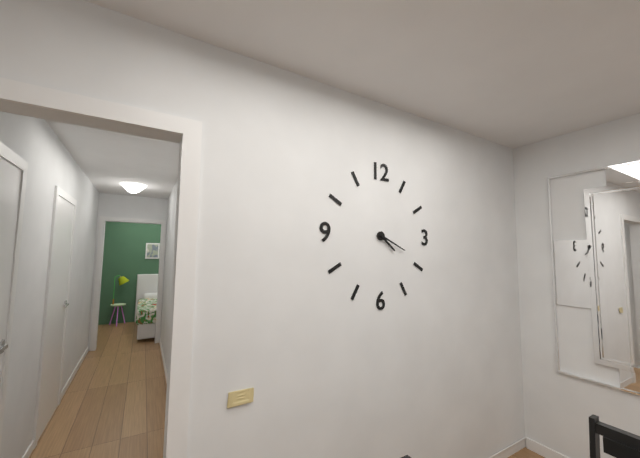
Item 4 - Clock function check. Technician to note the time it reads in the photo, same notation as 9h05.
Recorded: 4h19
